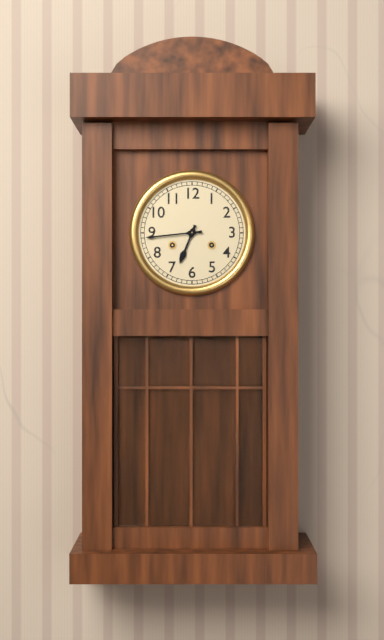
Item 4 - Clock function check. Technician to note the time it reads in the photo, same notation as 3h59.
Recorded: 6h44
